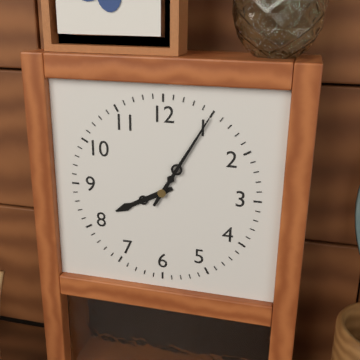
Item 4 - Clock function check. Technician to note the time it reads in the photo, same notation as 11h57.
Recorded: 8h05
